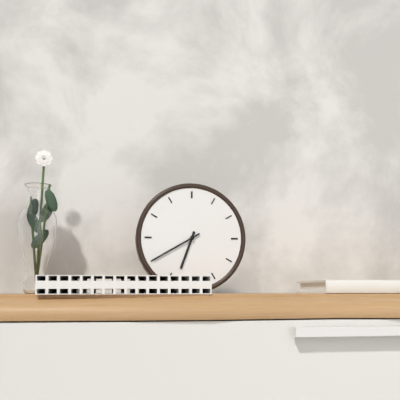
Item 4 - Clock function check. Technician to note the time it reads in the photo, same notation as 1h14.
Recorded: 6h40
